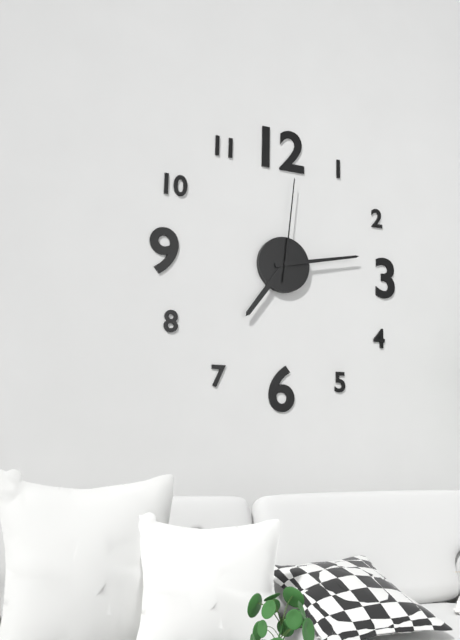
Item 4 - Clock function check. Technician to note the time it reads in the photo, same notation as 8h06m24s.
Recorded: 7h13m01s
